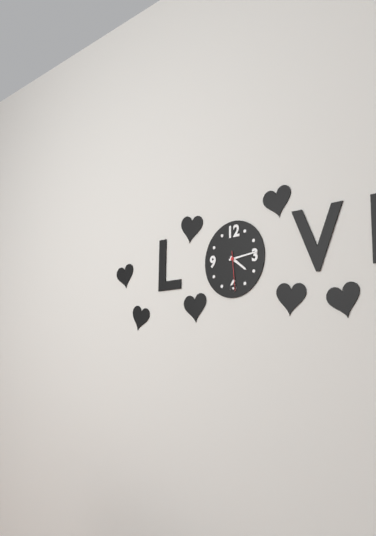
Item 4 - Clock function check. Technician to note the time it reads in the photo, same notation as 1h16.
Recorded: 4h14
